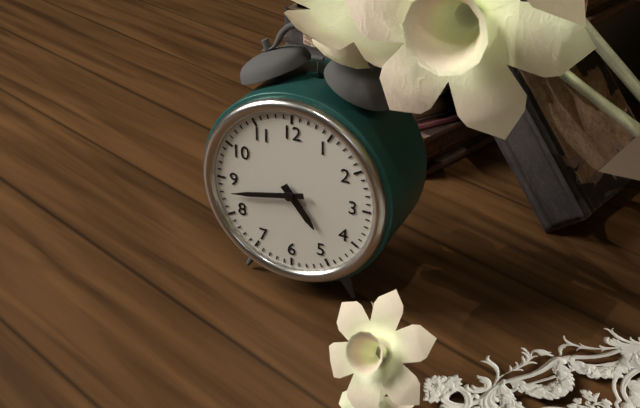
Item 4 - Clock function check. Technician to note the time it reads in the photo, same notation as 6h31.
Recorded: 4h43
